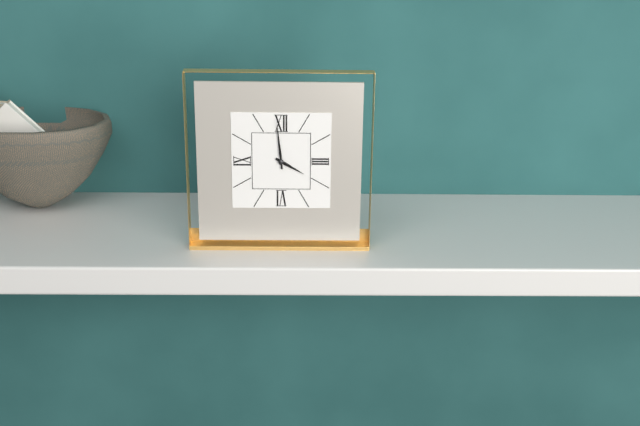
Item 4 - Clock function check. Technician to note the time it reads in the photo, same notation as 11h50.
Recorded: 3h59
